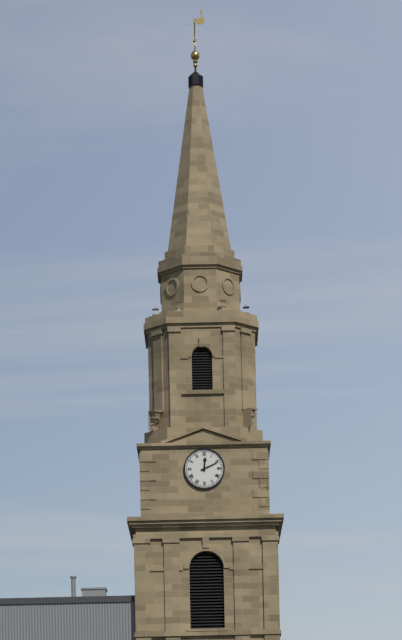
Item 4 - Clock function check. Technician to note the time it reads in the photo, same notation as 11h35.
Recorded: 12h11
